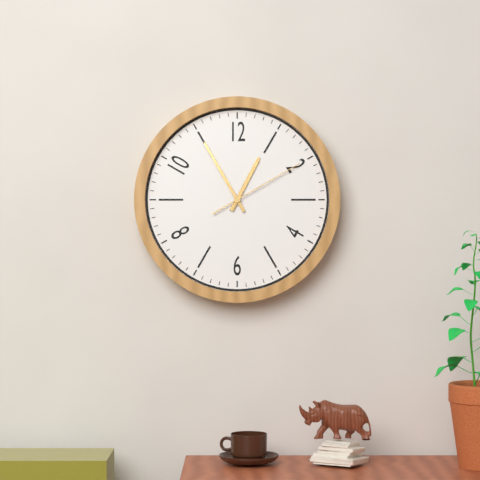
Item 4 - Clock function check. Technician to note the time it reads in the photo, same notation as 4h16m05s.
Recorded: 12h55m10s
